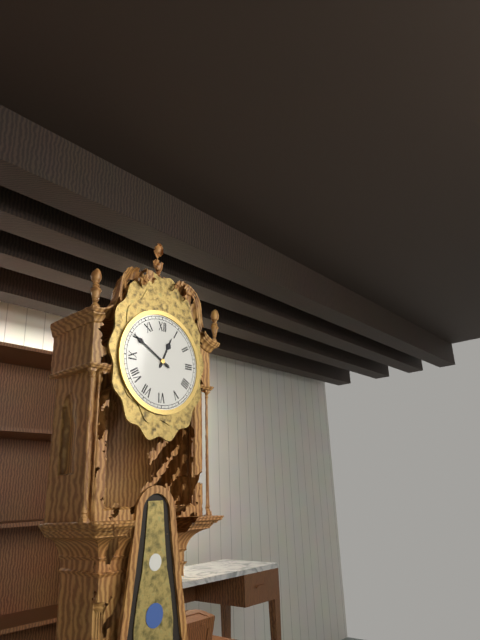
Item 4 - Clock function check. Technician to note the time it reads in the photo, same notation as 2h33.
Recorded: 12h50
